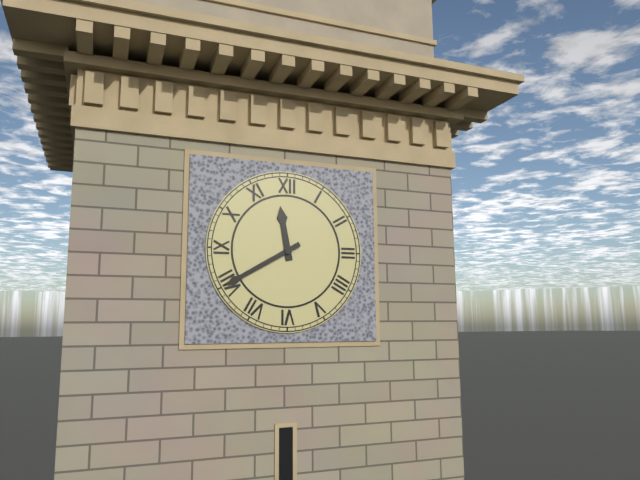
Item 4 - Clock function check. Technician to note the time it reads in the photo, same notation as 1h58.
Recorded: 11h40
